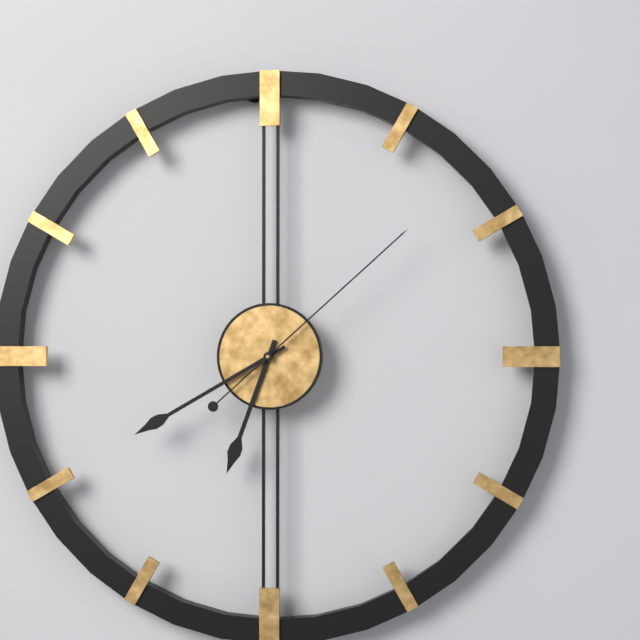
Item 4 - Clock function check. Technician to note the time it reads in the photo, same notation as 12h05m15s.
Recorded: 6h40m08s
